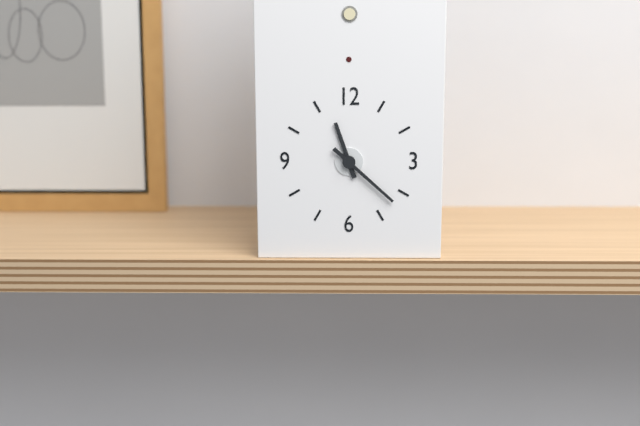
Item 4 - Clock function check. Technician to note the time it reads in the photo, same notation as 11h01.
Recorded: 11h22
